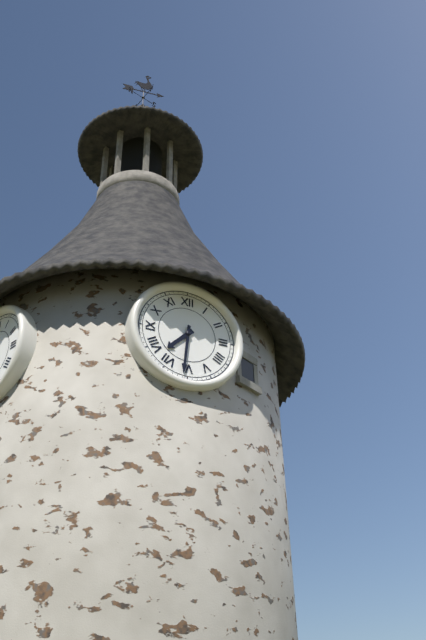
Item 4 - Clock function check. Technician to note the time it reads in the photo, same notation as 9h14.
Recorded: 7h31
